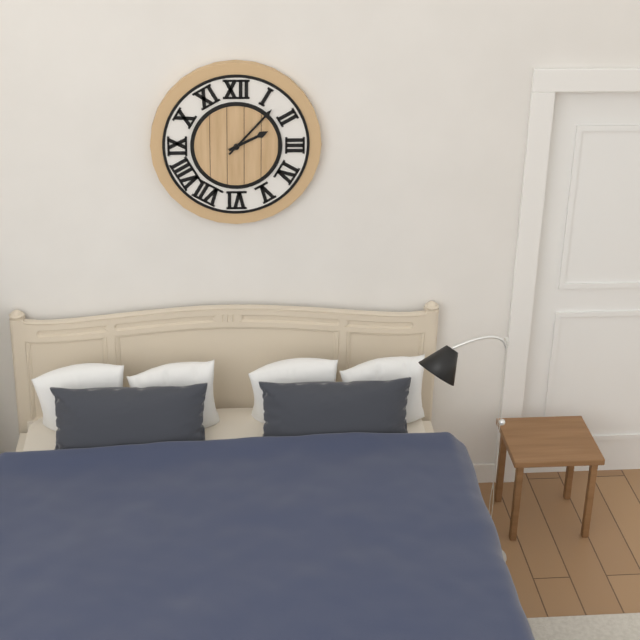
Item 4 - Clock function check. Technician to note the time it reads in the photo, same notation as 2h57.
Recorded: 2h07
